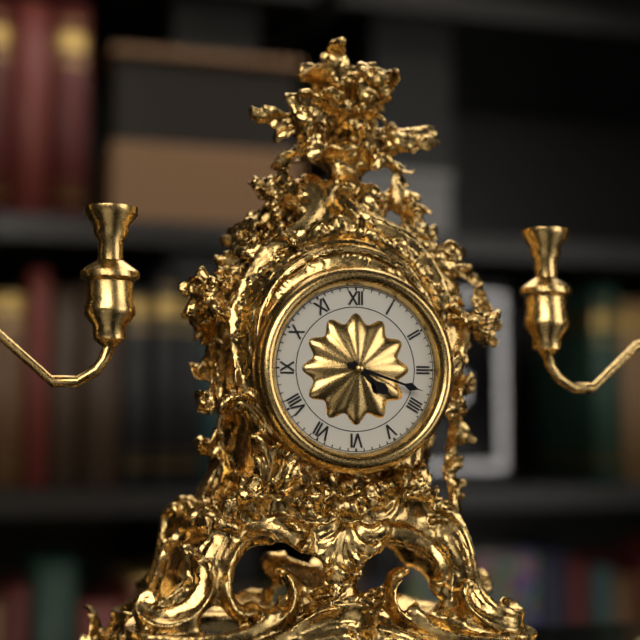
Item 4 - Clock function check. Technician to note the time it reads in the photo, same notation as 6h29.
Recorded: 4h18
